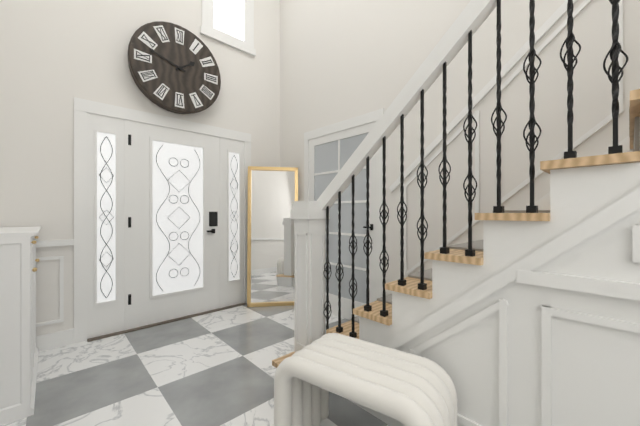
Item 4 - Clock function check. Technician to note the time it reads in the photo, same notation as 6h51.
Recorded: 1h48
